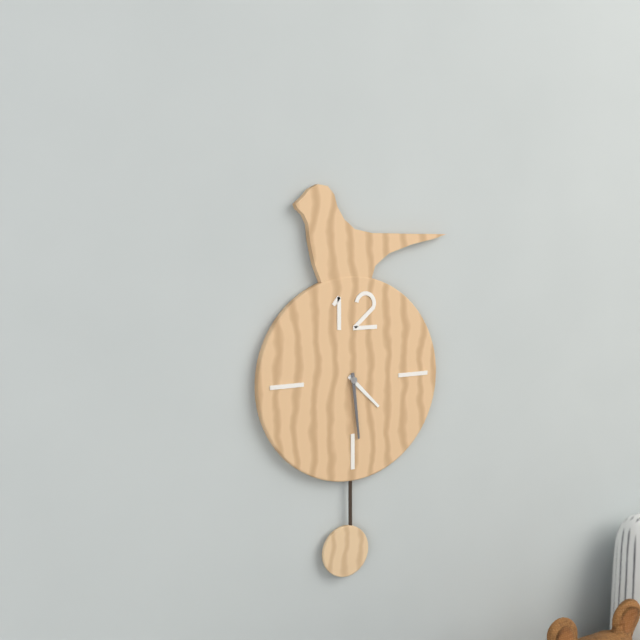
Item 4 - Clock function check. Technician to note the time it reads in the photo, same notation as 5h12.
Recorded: 4h29
